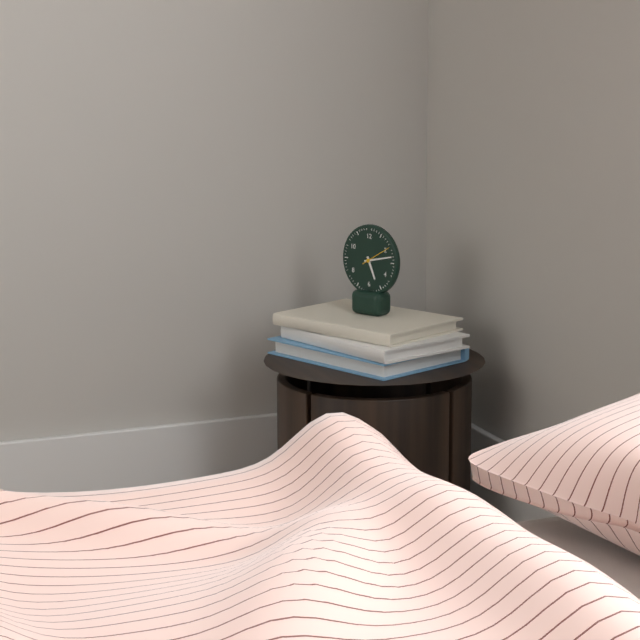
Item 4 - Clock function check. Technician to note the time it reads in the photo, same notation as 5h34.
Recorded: 5h13
